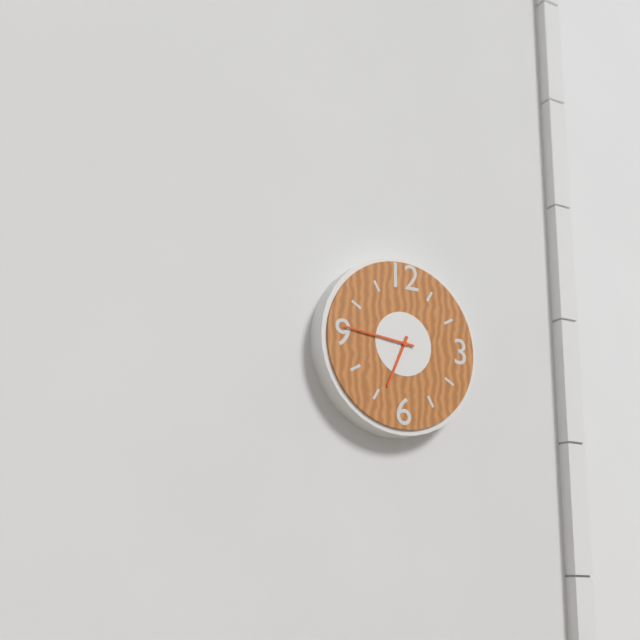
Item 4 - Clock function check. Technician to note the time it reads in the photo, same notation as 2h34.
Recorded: 6h46
